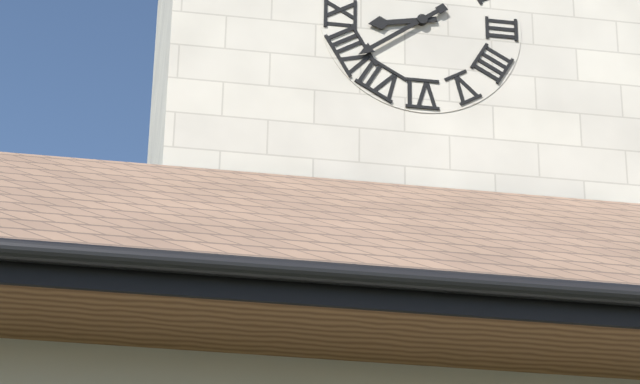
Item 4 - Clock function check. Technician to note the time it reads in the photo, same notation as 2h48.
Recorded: 8h39
